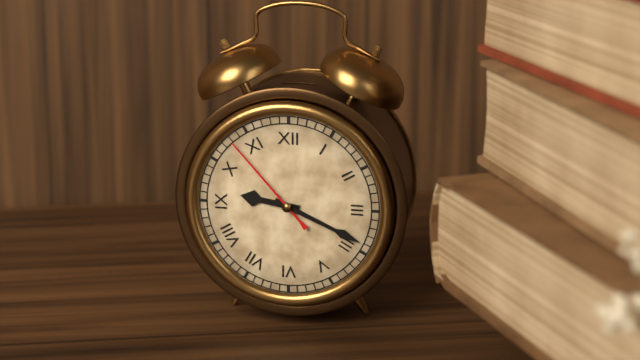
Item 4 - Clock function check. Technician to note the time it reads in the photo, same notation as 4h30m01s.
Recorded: 9h19m53s
